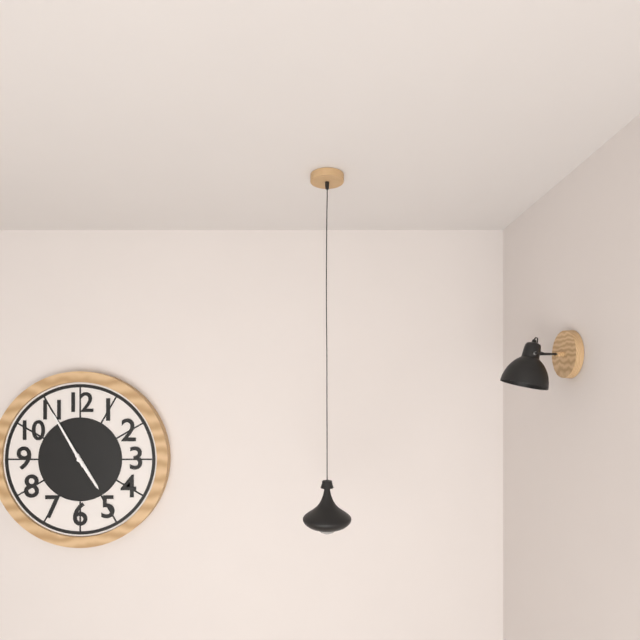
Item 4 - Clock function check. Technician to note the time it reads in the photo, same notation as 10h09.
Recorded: 4h55
